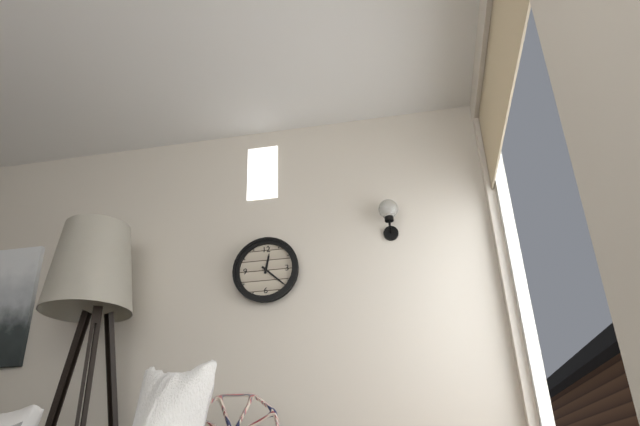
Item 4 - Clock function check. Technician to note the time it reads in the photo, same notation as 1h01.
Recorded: 12h22
